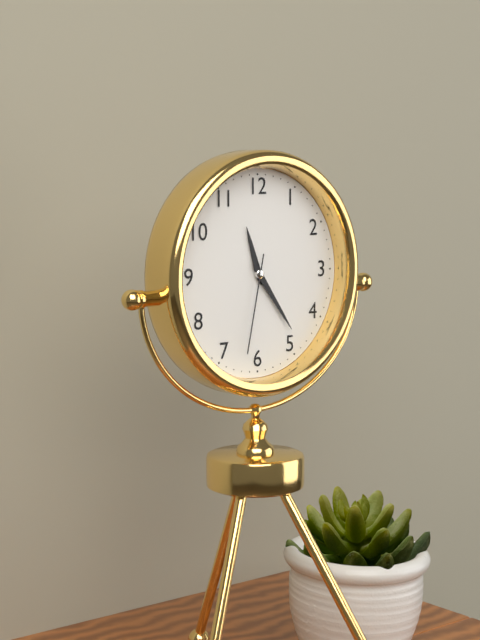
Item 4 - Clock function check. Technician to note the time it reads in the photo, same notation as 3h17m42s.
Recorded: 11h24m32s
